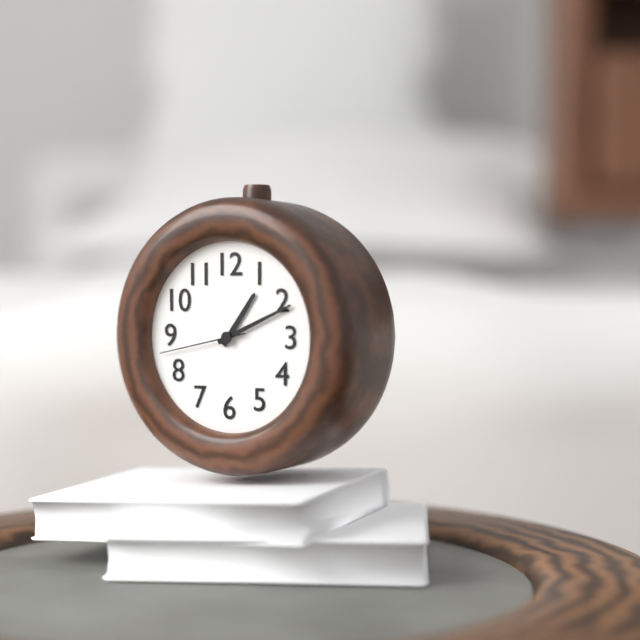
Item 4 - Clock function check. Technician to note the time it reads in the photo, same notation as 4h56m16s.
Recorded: 1h11m43s
